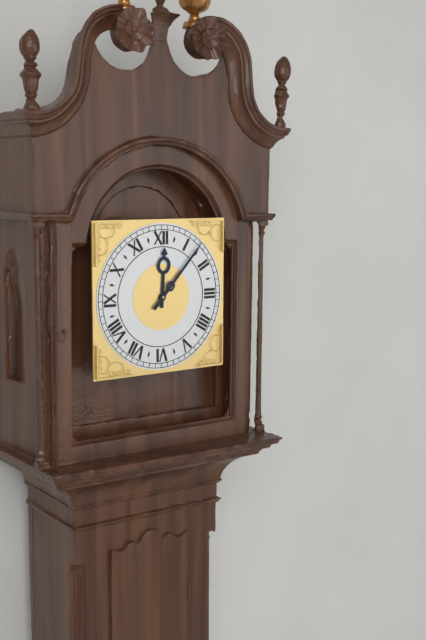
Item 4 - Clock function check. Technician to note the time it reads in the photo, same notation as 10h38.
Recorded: 12h07
